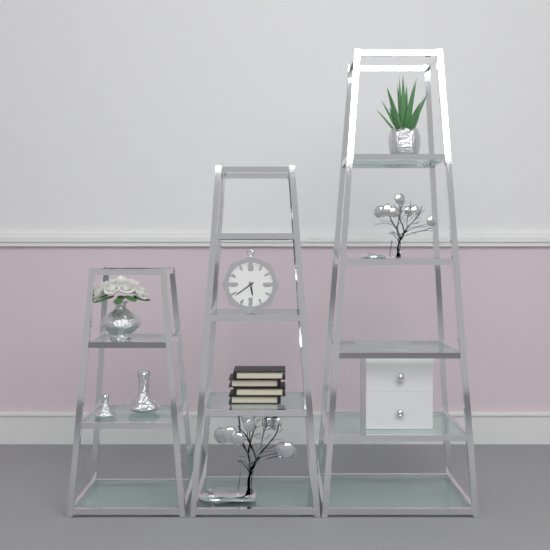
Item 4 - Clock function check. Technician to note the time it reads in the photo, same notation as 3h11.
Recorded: 5h39
